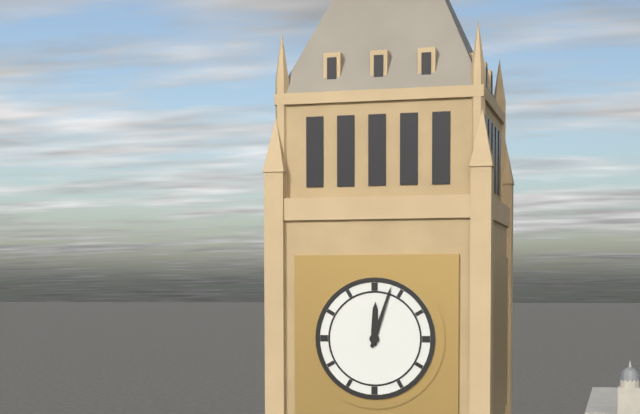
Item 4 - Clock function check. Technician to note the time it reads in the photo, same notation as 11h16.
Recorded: 12h03
